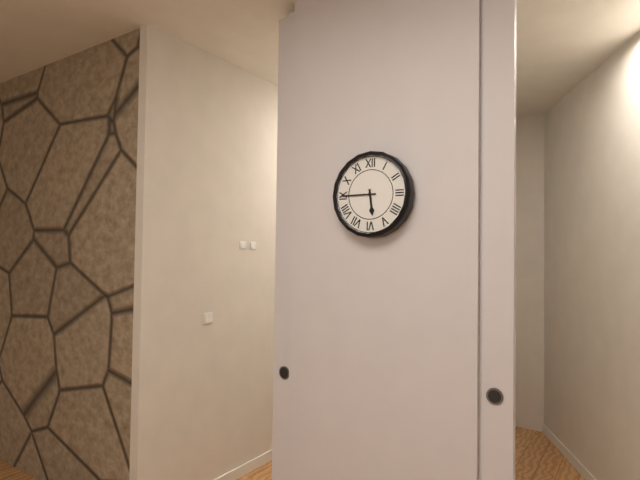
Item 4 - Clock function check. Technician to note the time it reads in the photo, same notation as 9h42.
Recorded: 5h45
